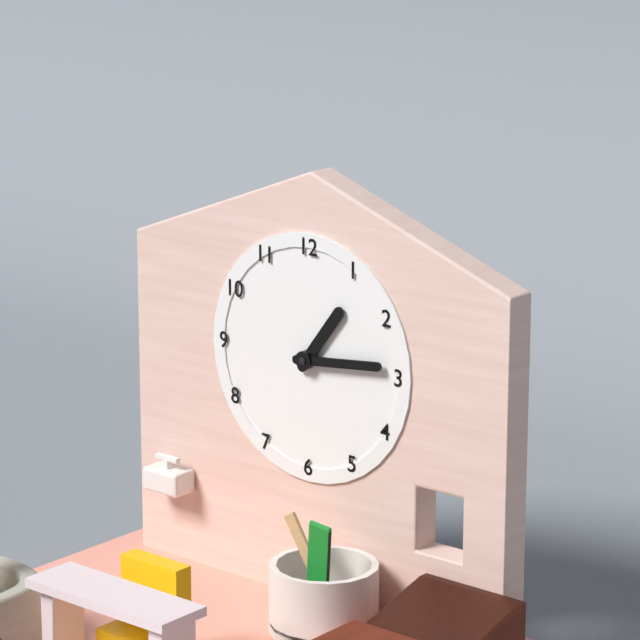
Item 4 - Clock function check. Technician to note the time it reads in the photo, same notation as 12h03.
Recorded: 1h14
